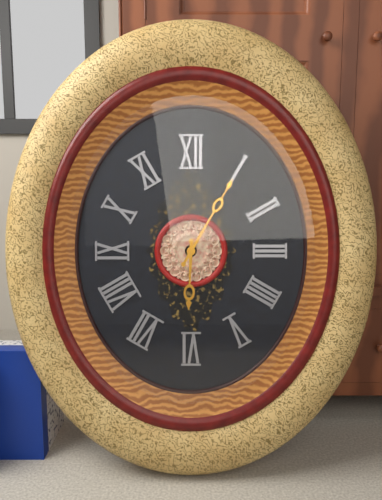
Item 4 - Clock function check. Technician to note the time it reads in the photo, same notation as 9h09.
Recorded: 6h05
